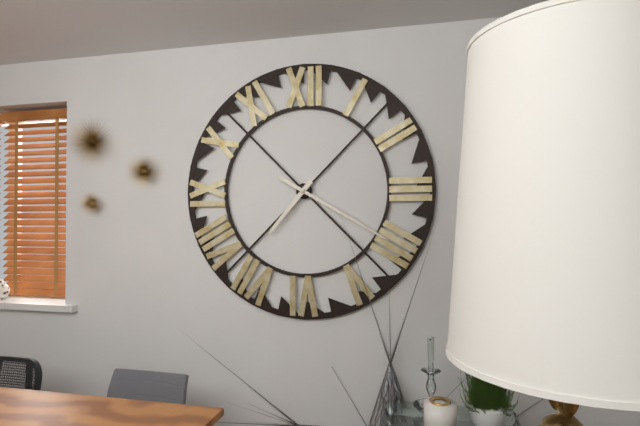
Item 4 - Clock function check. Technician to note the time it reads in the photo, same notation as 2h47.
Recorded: 7h20
